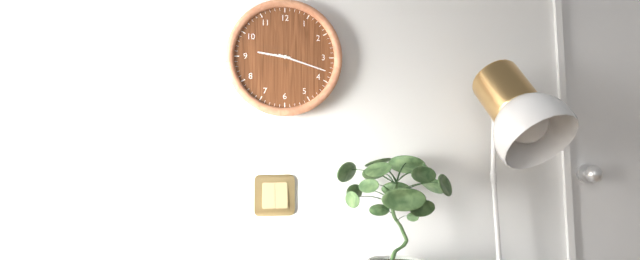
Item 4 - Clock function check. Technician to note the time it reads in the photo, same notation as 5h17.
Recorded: 9h18
